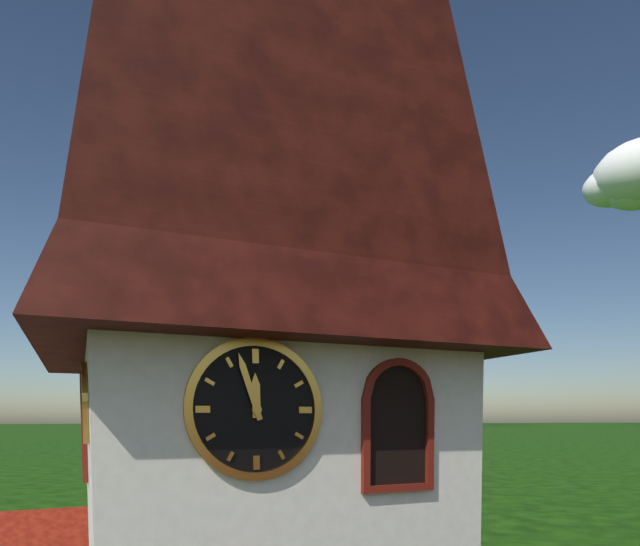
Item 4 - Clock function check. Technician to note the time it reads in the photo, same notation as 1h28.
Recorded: 11h57
